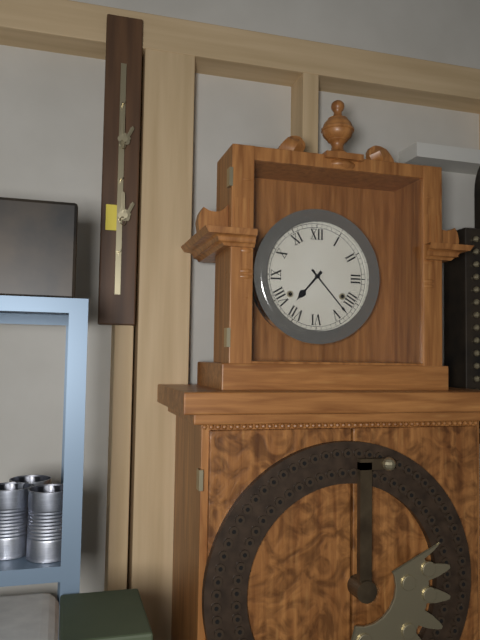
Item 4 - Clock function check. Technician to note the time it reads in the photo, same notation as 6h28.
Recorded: 7h23
